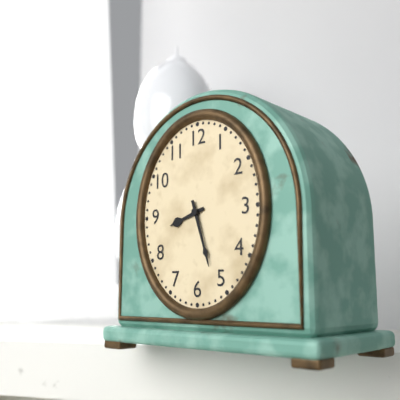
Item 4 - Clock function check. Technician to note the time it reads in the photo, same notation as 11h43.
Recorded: 8h27
